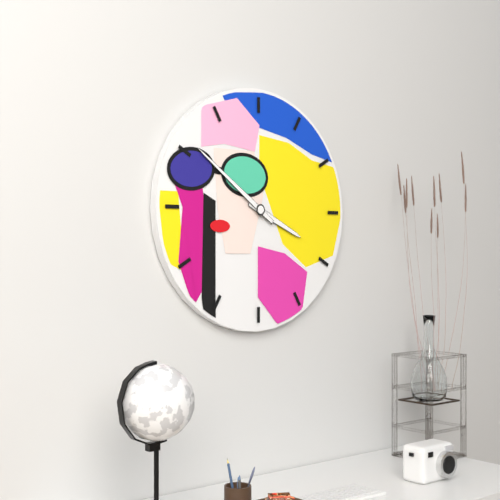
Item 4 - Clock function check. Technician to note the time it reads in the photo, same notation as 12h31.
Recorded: 3h51
